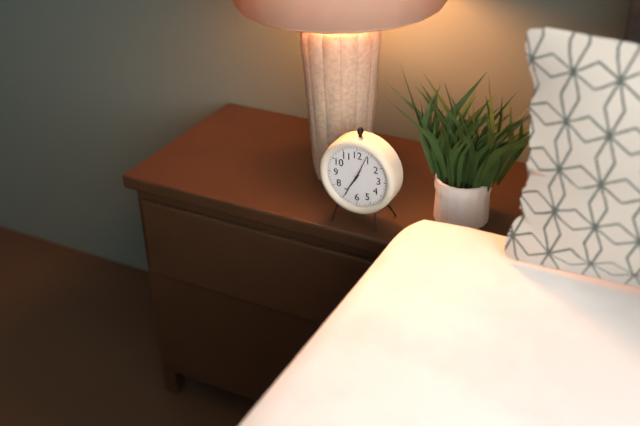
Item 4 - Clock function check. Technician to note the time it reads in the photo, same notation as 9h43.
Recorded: 7h04
